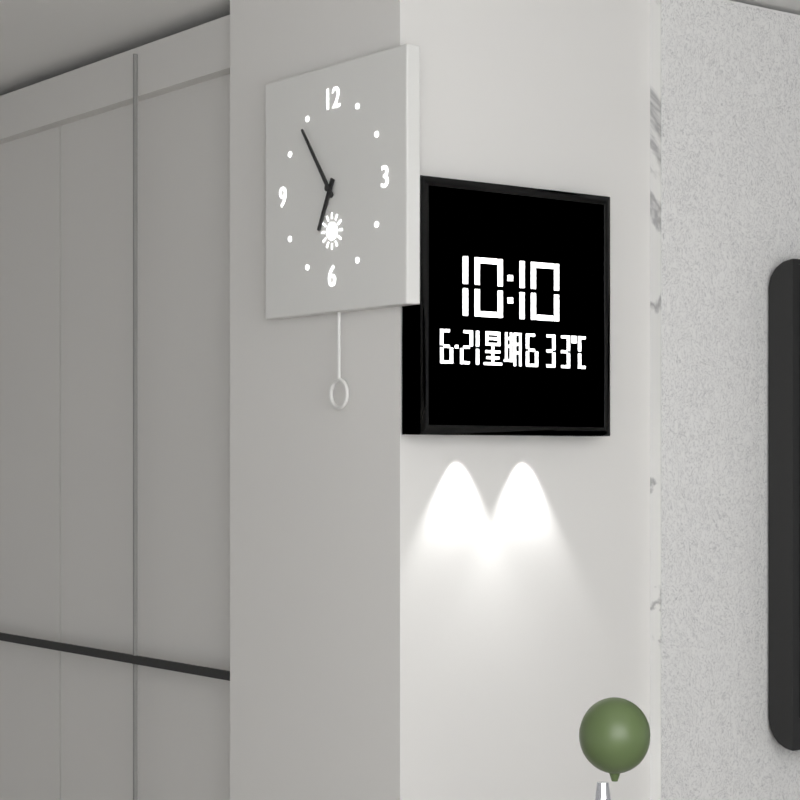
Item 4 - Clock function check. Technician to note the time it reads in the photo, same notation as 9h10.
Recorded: 6h54
